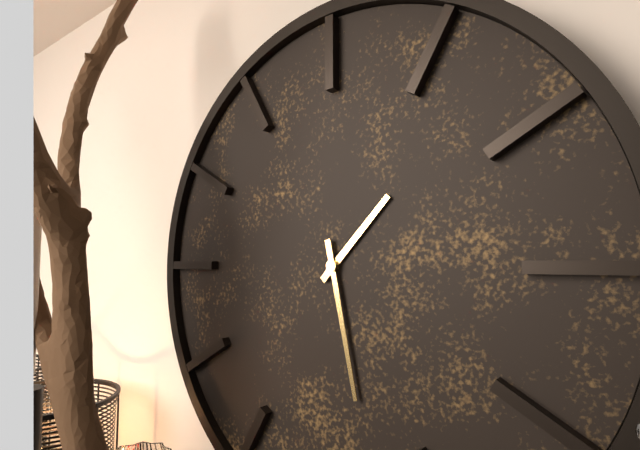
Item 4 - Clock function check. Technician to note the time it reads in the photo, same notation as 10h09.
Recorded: 1h28
